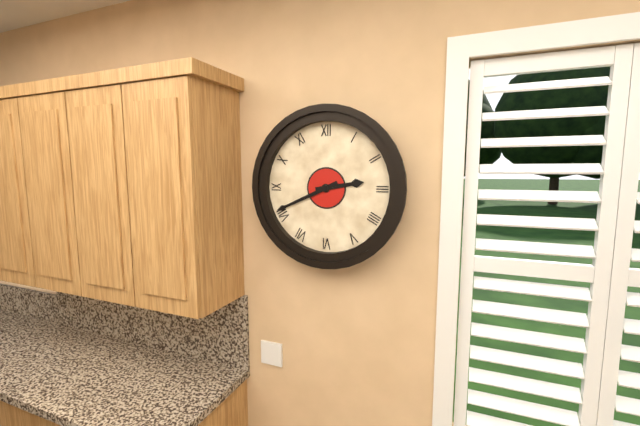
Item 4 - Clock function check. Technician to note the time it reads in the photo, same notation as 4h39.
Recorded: 2h41
